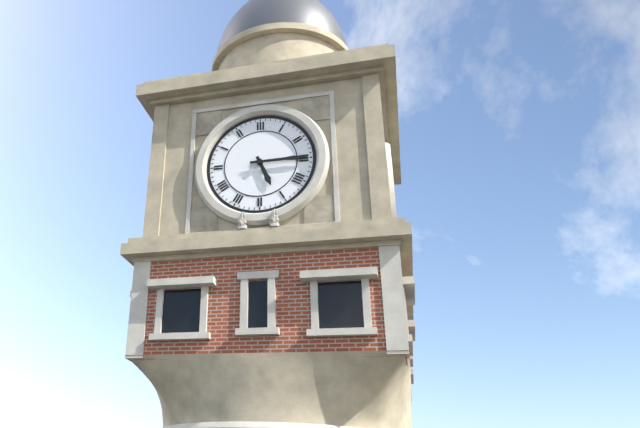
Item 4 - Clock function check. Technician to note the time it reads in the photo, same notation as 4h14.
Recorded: 5h15
